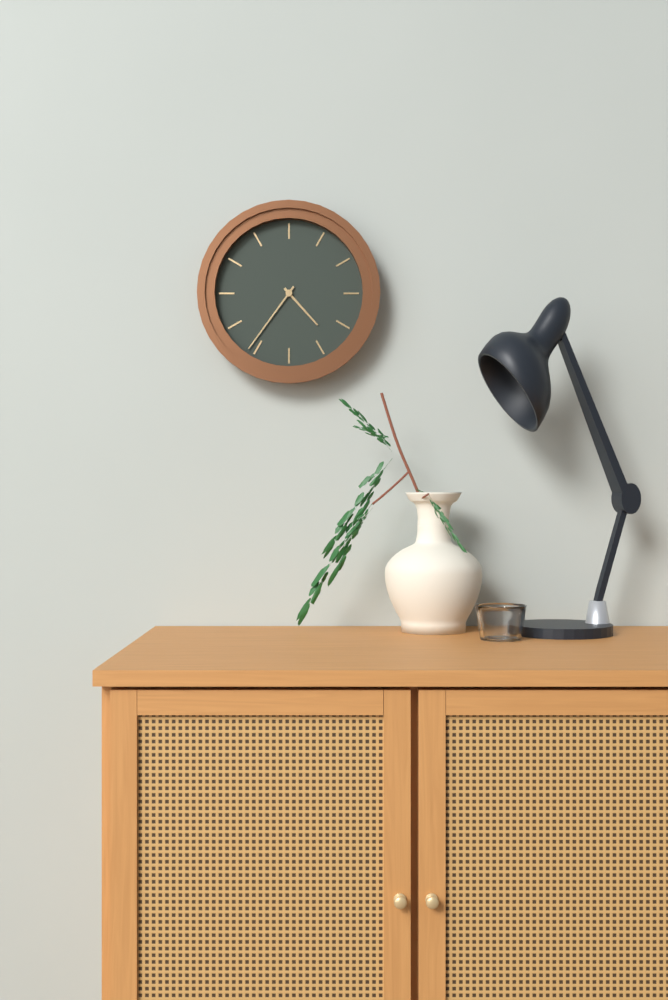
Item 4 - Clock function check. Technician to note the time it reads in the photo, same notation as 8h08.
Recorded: 4h36
